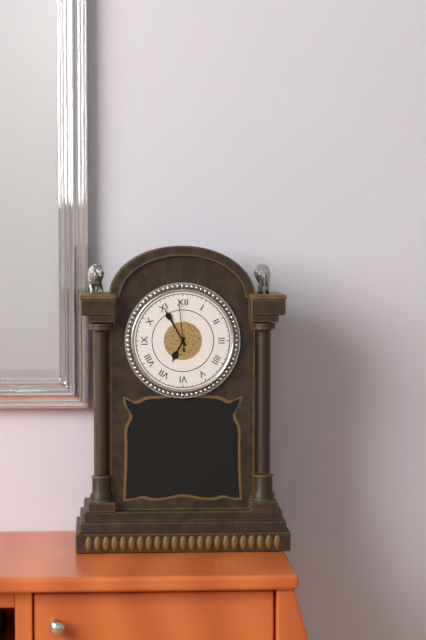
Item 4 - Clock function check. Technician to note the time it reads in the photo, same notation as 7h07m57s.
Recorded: 6h55m59s
